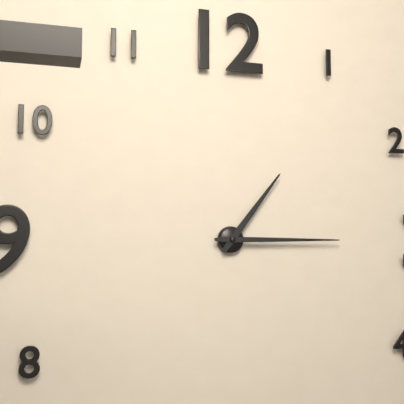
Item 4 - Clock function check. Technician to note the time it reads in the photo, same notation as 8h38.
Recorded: 1h15
